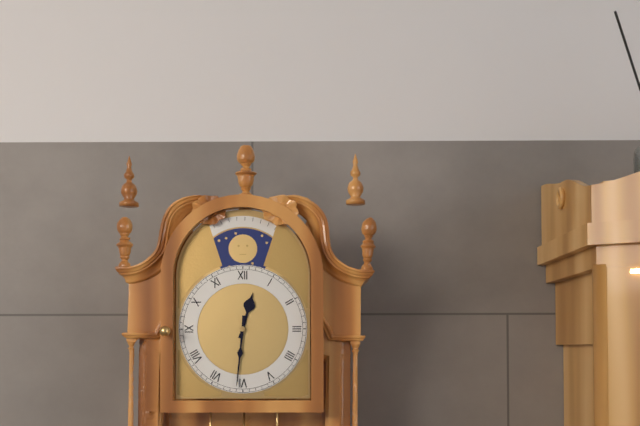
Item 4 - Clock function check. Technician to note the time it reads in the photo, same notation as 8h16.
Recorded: 12h31
